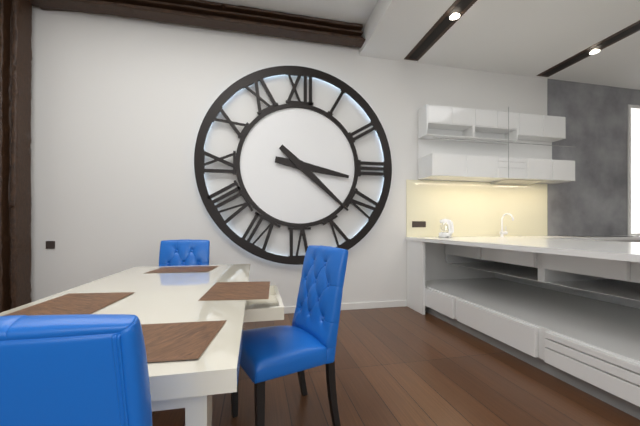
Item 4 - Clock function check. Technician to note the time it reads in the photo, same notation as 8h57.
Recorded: 3h22
